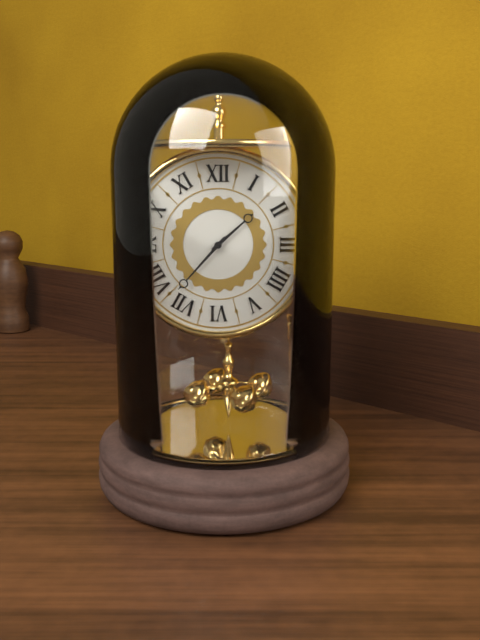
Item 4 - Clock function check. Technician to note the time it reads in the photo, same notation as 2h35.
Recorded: 1h37
